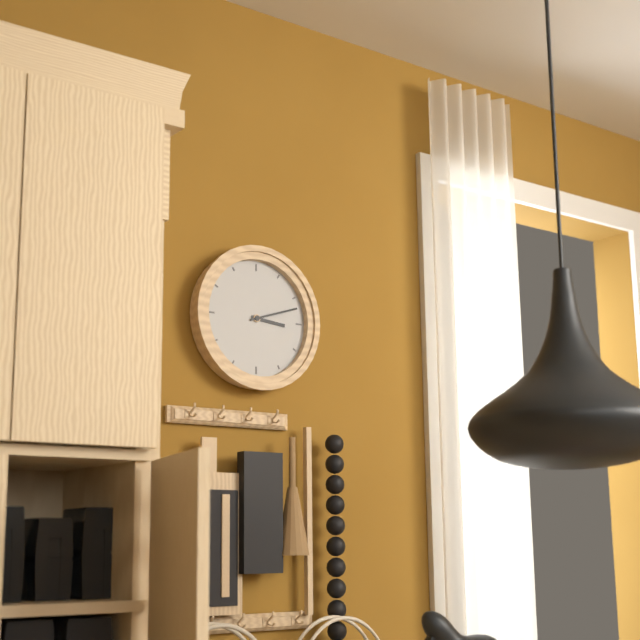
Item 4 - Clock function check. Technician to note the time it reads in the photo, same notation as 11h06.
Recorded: 3h12
